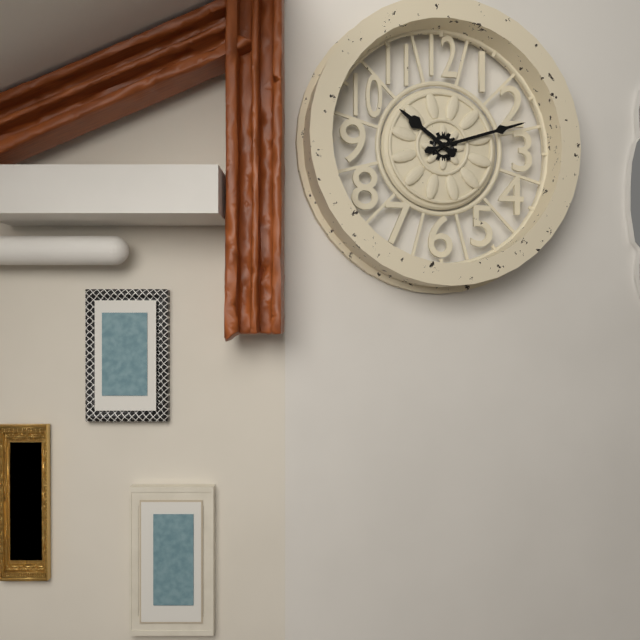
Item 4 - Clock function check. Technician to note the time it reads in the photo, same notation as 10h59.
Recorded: 10h12
